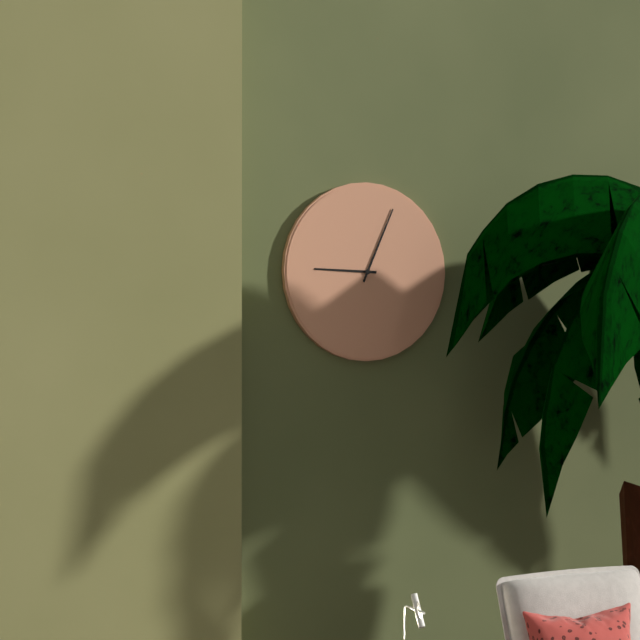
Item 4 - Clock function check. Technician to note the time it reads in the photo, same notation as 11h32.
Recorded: 9h04
